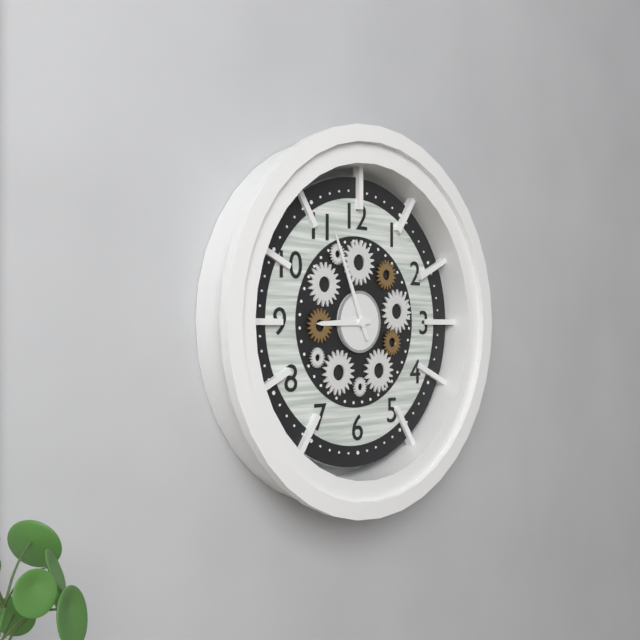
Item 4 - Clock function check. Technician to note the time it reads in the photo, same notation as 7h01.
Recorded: 8h56
